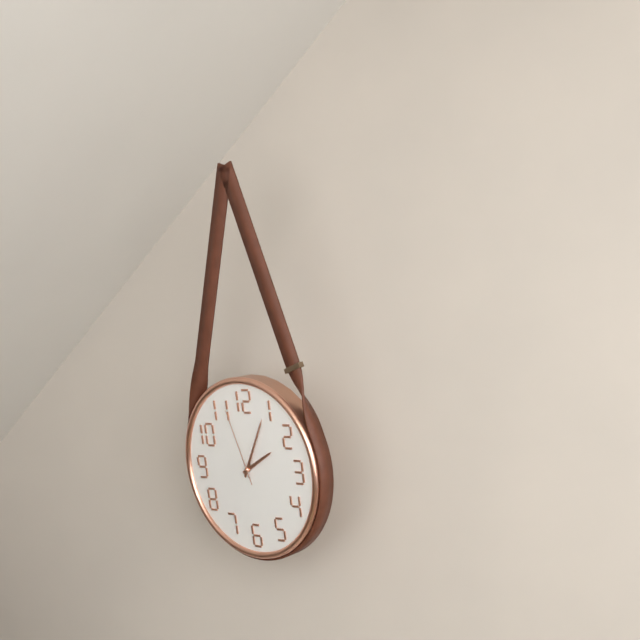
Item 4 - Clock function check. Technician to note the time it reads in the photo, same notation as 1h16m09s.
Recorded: 2h05m57s
